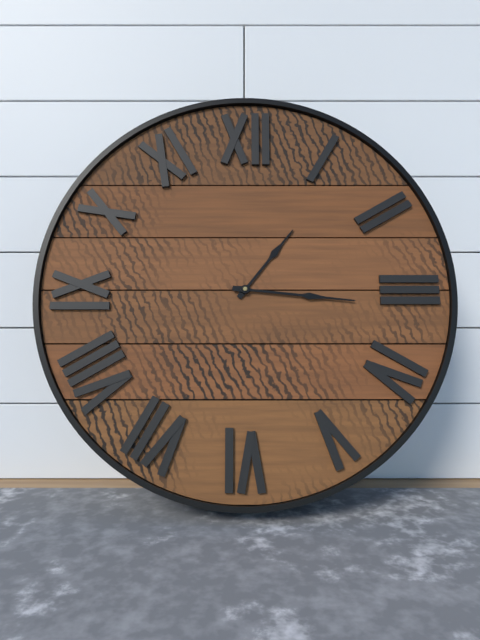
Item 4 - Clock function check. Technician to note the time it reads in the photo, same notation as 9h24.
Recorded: 1h16
